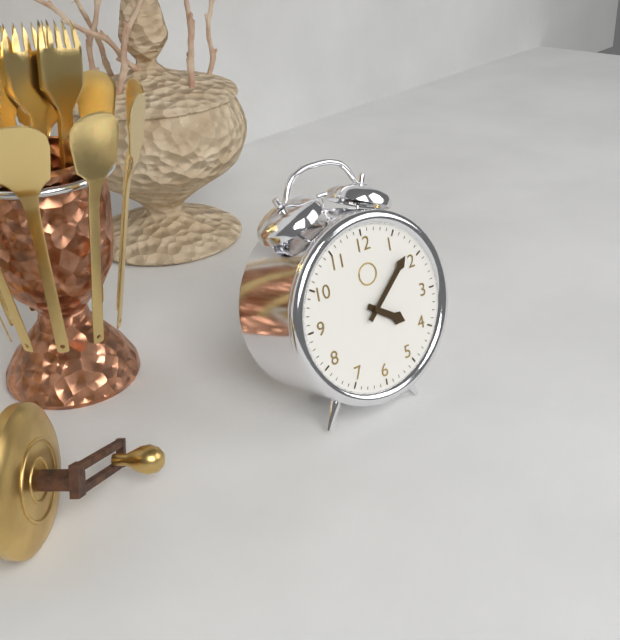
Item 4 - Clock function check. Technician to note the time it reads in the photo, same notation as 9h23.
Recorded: 4h08
